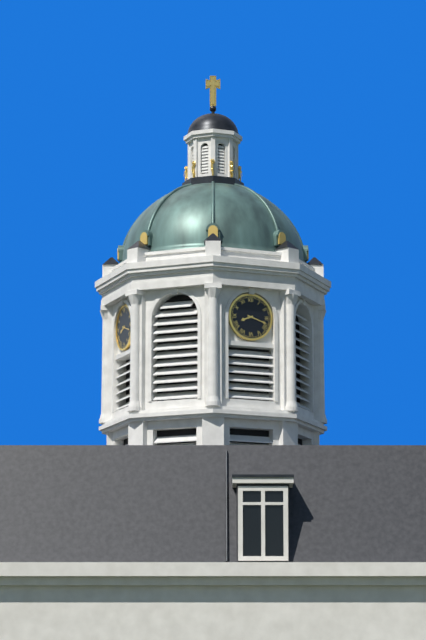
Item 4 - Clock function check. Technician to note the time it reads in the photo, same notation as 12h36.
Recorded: 8h18
